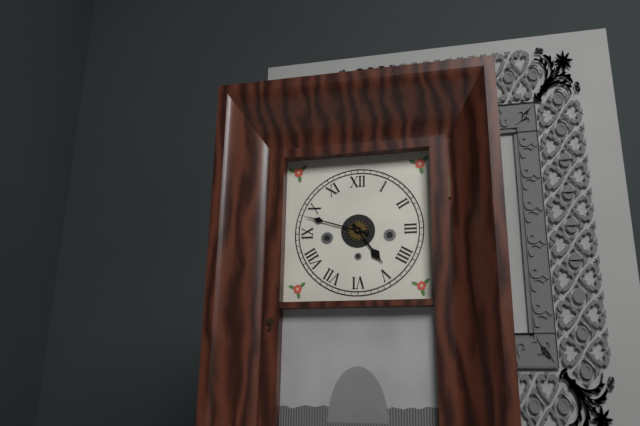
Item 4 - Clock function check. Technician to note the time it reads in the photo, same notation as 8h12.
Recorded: 4h48
